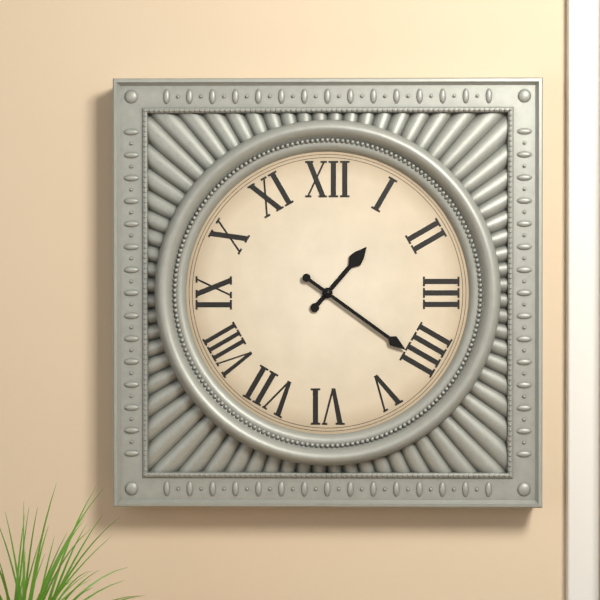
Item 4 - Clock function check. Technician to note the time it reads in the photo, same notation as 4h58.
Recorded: 1h21
